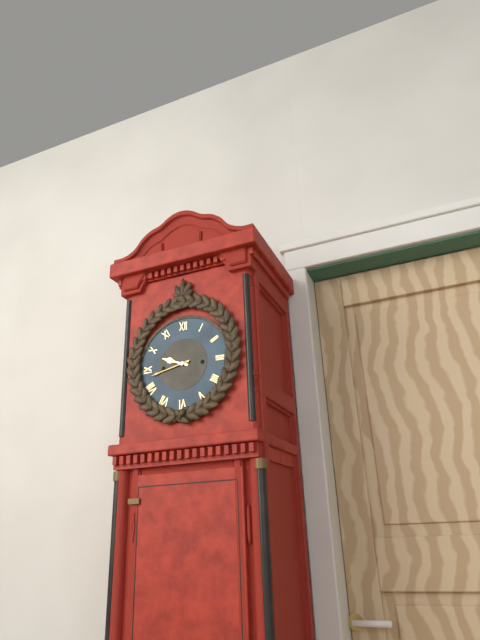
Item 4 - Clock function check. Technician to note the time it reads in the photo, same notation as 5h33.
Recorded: 9h43
